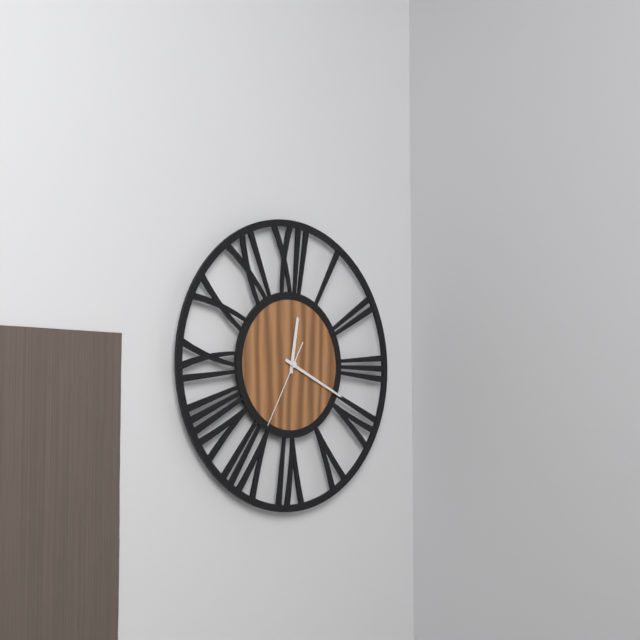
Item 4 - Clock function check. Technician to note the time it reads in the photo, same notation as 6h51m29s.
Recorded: 12h19m35s
